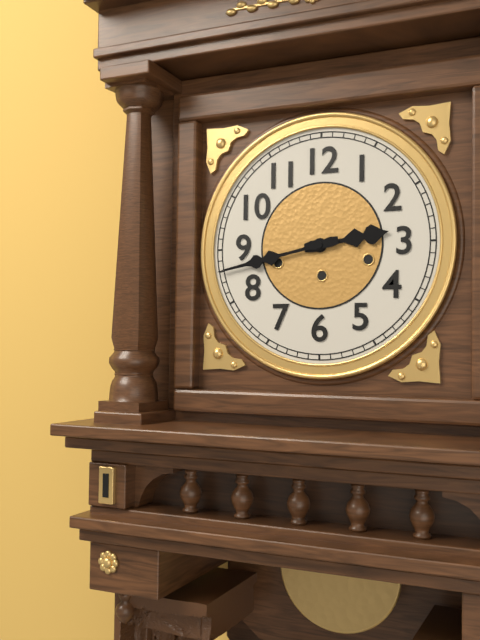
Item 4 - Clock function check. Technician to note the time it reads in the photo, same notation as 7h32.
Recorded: 2h43
